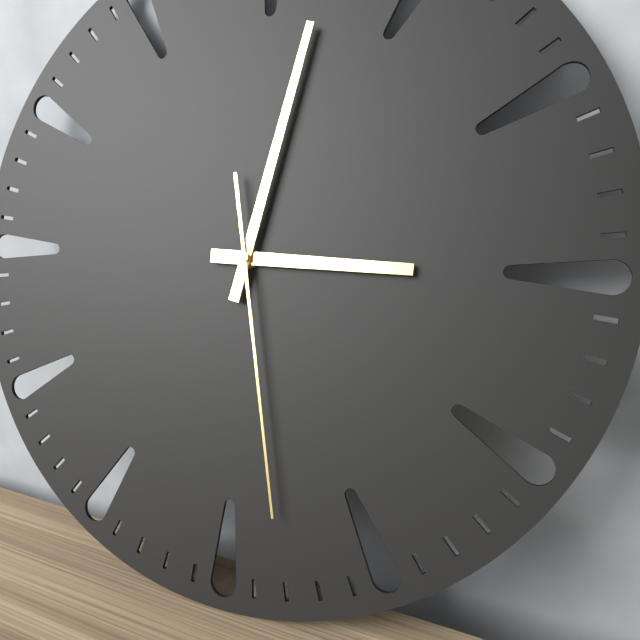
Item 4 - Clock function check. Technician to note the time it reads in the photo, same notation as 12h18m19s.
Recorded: 3h02m28s
